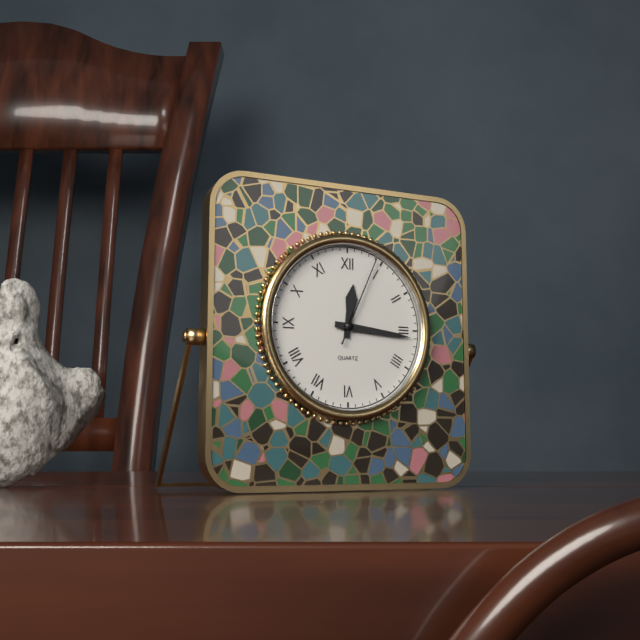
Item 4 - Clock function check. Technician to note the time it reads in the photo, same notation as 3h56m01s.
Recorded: 12h16m04s
